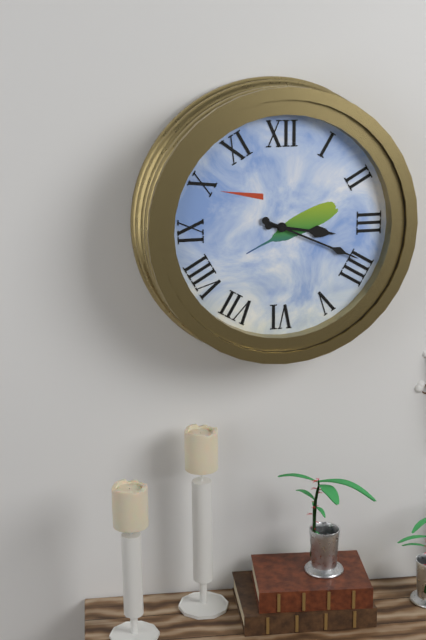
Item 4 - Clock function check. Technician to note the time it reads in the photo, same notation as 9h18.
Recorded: 3h19
